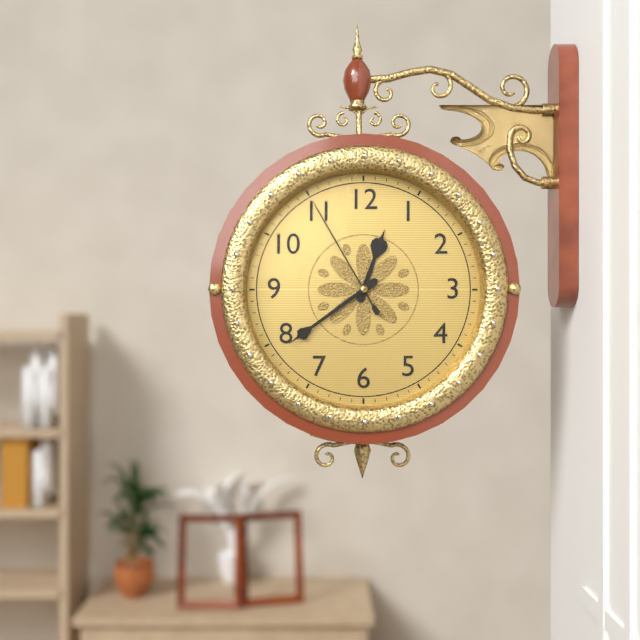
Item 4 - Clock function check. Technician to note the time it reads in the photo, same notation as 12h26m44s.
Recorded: 12h39m55s
